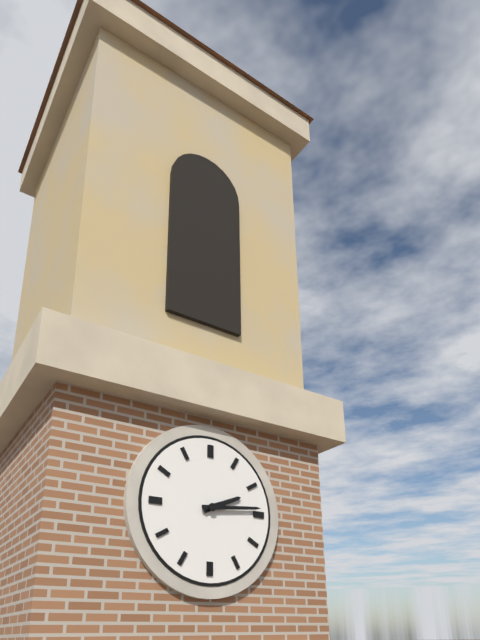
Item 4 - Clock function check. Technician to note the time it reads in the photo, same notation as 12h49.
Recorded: 2h14
